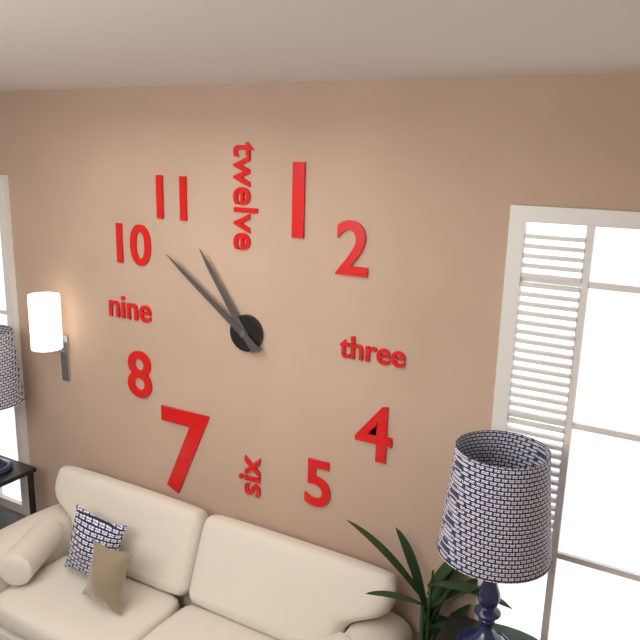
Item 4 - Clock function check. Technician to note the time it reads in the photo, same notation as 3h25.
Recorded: 10h51
